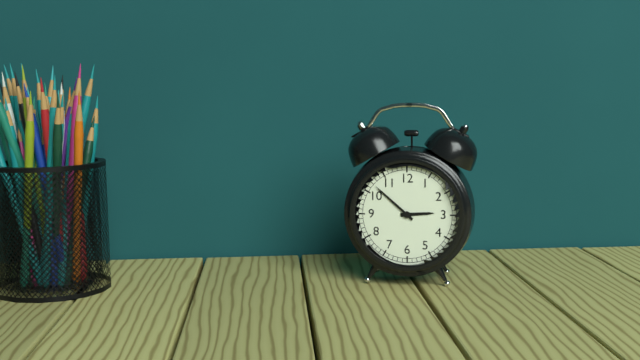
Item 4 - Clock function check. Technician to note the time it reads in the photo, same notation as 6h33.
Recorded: 2h52
